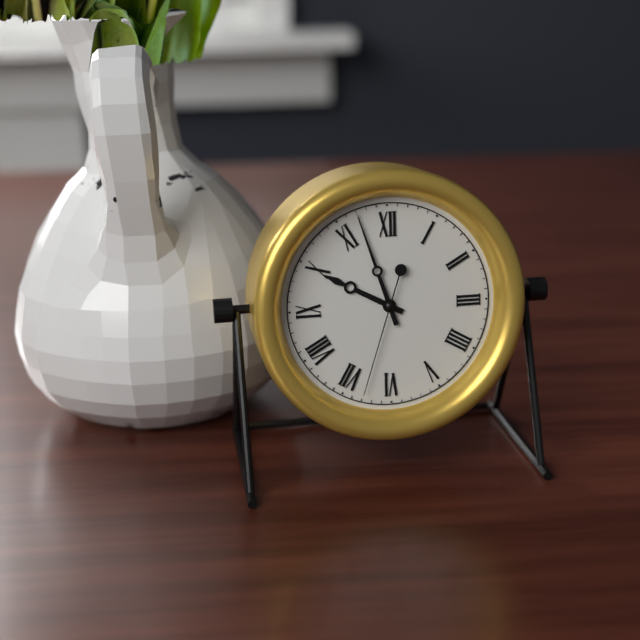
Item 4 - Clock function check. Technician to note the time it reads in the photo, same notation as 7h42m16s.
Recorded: 9h57m33s
